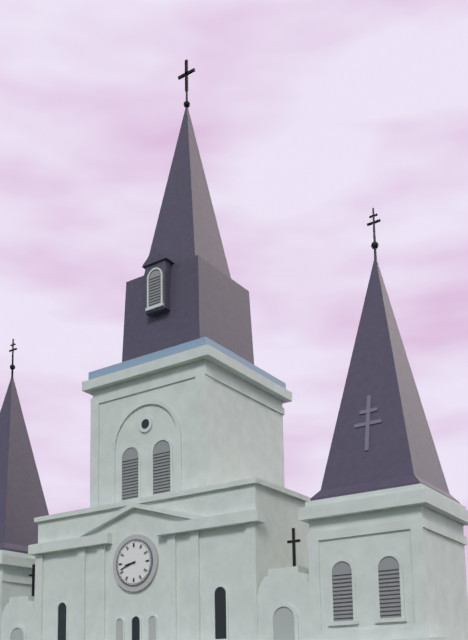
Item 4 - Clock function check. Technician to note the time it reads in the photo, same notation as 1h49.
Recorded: 8h42
